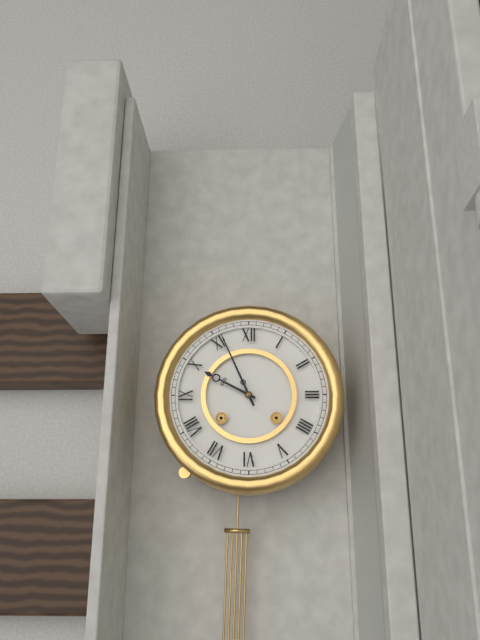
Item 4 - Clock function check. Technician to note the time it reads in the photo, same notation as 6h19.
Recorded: 9h56
